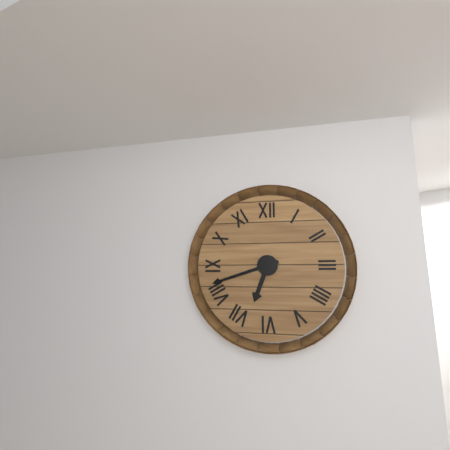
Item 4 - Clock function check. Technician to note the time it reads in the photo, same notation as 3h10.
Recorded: 6h42
